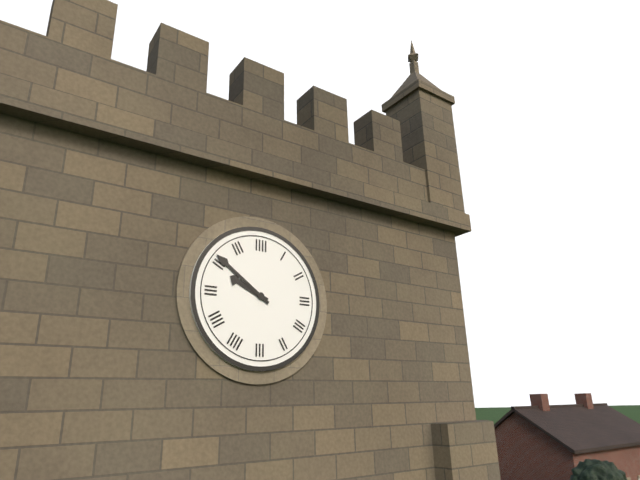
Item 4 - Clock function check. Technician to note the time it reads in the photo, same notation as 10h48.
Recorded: 9h51
